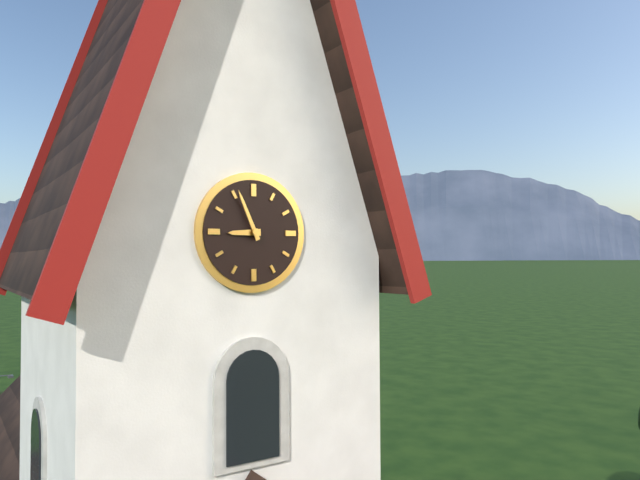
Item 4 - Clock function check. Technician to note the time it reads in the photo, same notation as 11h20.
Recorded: 8h56
